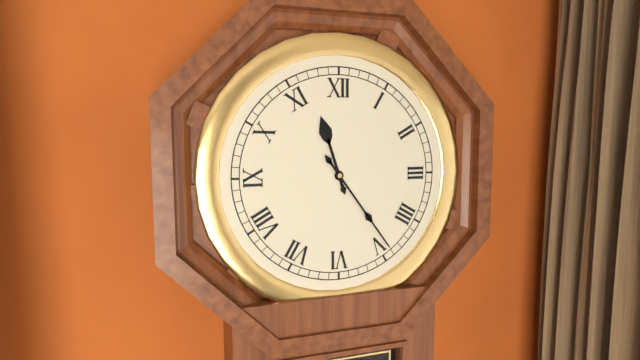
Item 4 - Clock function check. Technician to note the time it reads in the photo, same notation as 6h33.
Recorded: 11h24
